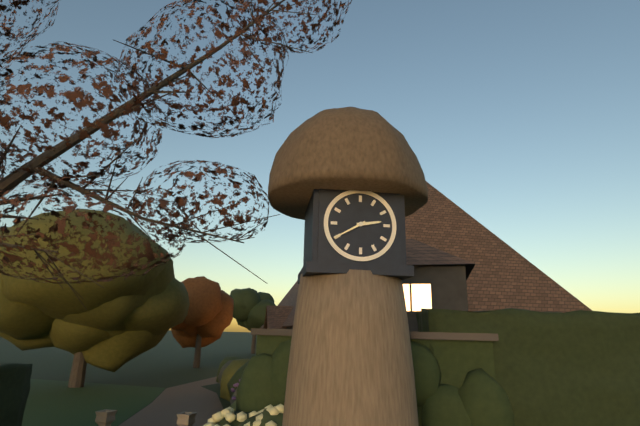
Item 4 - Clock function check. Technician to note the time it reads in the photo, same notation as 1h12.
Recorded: 2h40
